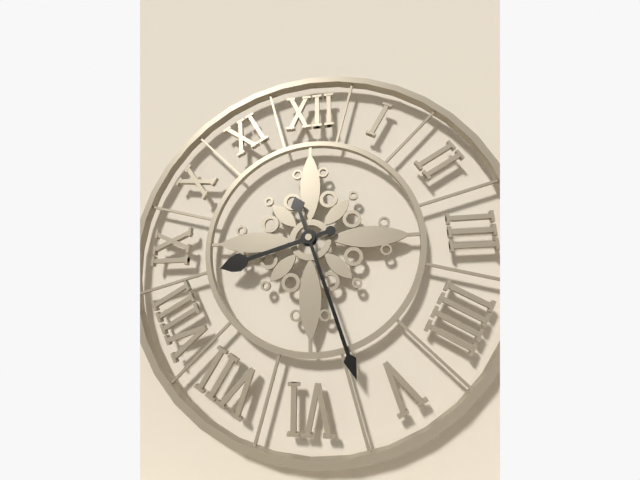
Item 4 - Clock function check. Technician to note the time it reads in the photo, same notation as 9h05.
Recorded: 8h27
